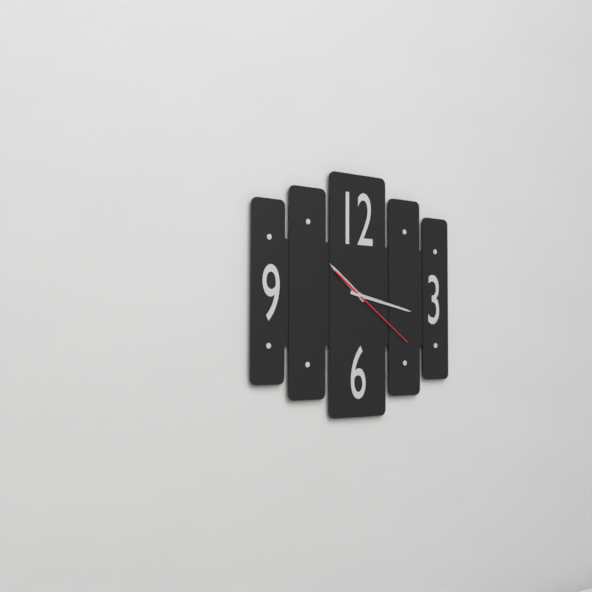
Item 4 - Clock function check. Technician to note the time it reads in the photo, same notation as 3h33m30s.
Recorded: 10h17m21s
